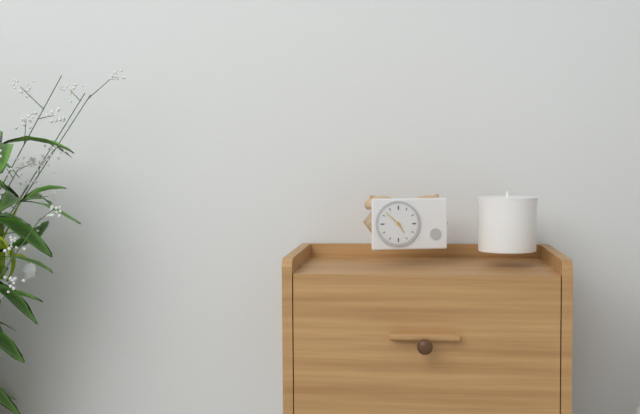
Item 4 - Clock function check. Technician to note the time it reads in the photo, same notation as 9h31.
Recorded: 4h52
